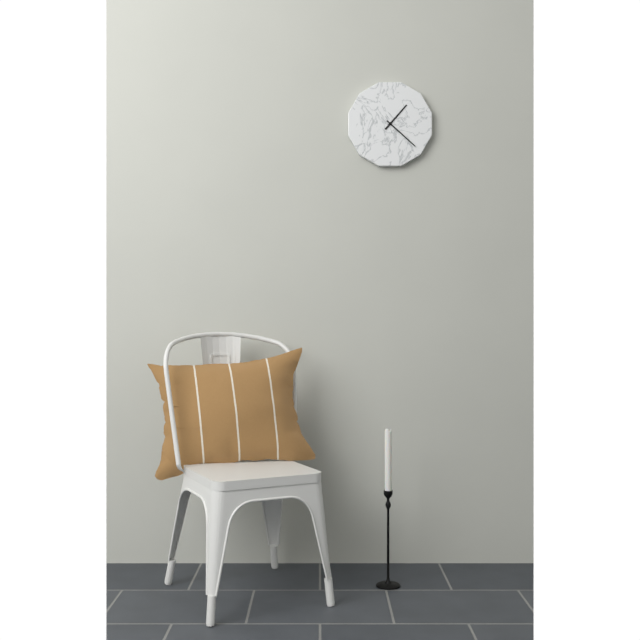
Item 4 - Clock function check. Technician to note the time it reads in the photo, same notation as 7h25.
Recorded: 1h22
